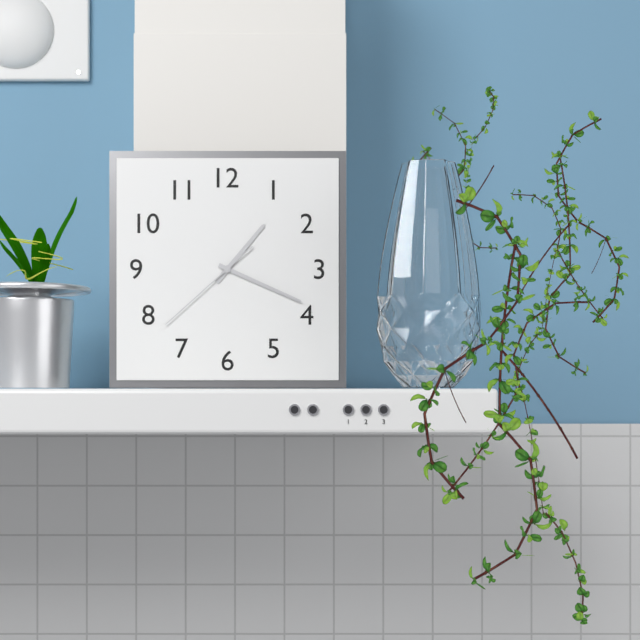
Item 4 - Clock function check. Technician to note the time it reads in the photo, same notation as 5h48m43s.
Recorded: 1h19m38s
